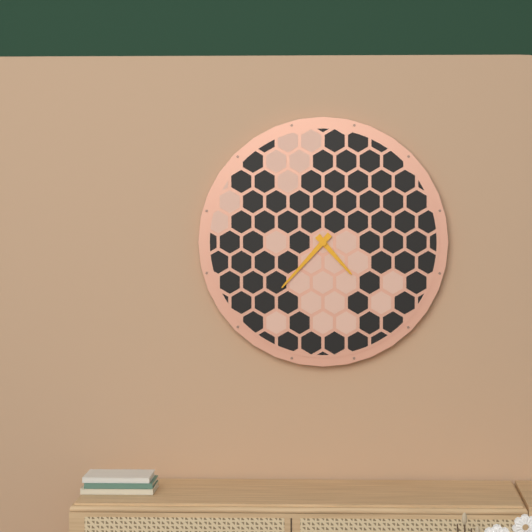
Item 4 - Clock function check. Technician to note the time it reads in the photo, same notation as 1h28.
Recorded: 4h37
